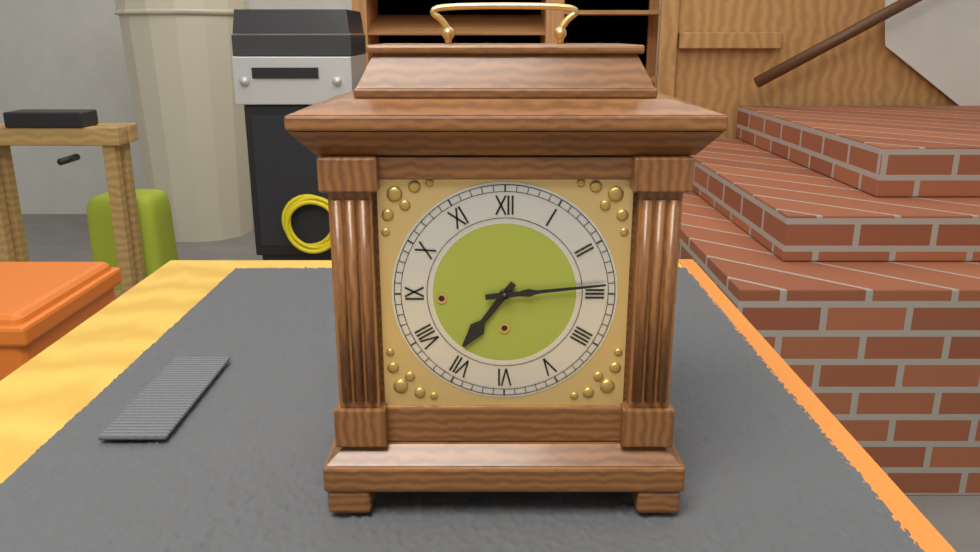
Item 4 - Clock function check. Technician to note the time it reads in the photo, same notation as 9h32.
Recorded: 7h14
